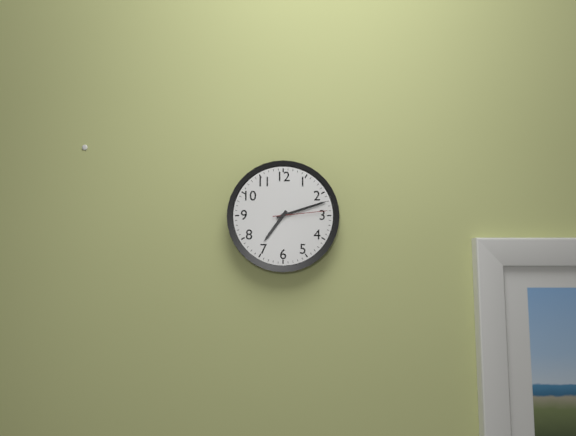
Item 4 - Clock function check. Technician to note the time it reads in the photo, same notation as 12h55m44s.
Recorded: 7h12m14s
